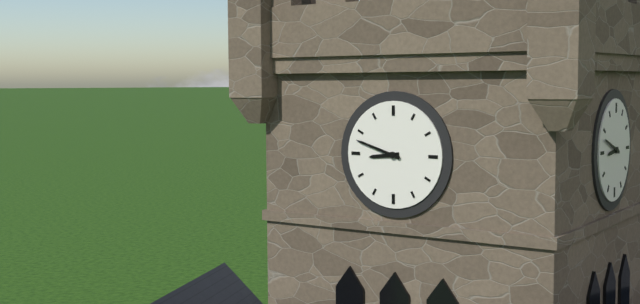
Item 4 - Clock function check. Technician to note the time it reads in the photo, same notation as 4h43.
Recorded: 8h48
